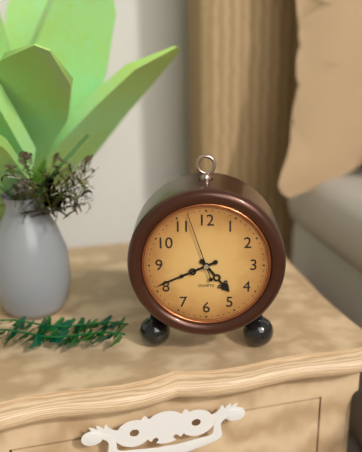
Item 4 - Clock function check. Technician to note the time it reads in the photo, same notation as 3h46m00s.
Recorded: 4h41m57s
